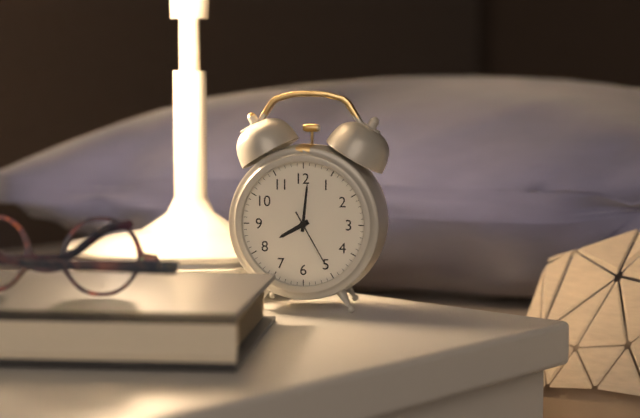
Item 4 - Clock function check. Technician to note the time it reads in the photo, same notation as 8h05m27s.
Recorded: 8h01m25s
